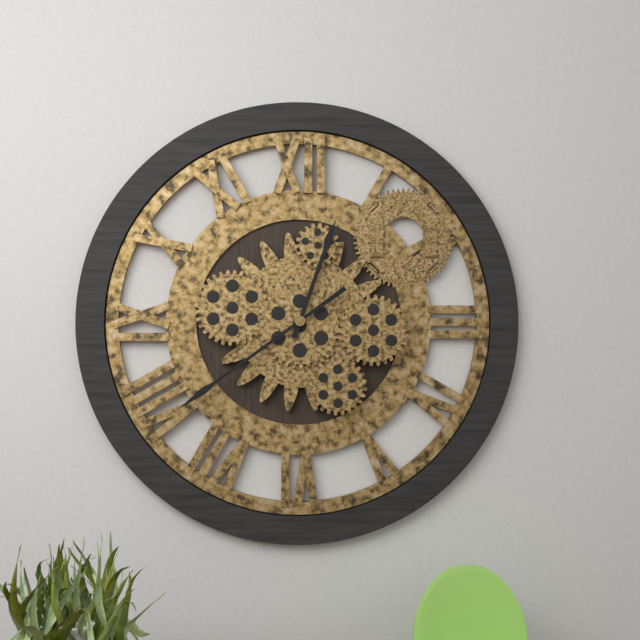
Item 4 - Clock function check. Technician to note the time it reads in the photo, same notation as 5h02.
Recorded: 12h39
